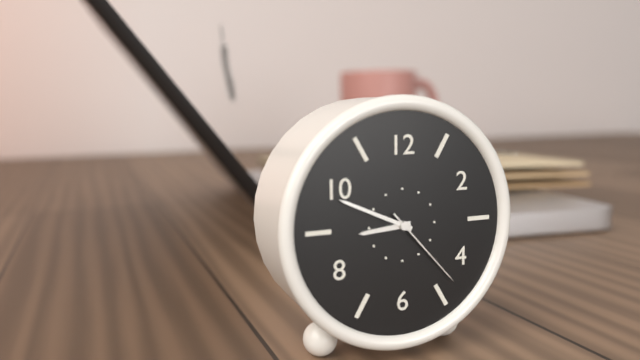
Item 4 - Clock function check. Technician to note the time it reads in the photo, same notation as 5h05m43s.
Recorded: 8h49m23s
